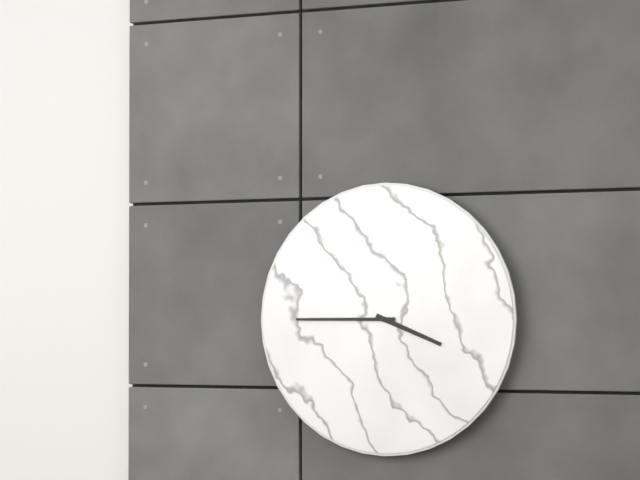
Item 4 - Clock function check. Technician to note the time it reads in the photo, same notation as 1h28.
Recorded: 3h45
